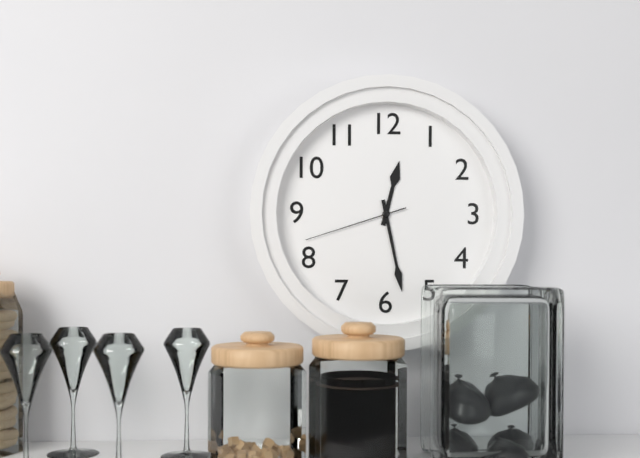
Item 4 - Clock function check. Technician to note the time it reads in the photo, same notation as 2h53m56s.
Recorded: 12h28m42s
